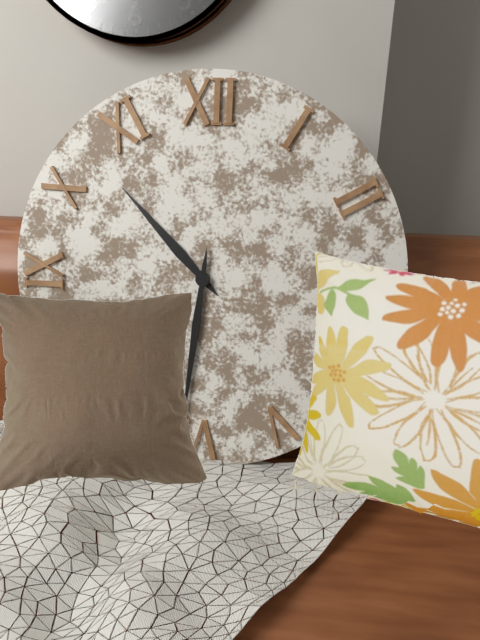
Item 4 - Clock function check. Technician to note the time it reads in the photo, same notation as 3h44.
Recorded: 10h31
